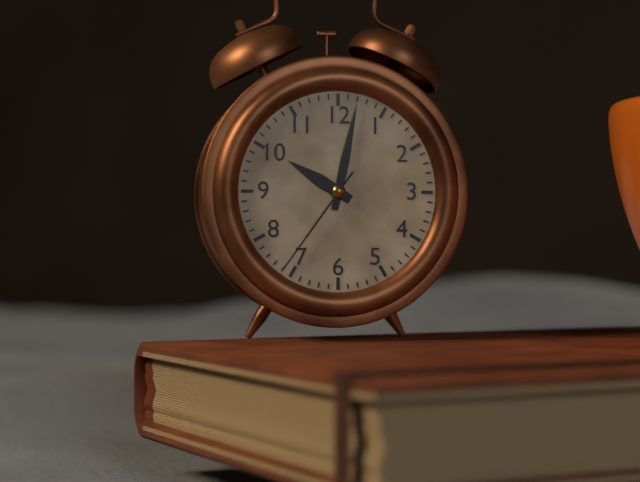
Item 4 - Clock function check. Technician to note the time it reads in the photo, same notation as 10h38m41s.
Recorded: 10h02m36s
